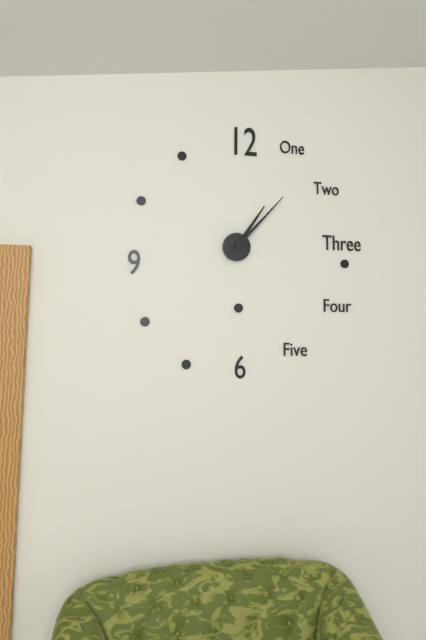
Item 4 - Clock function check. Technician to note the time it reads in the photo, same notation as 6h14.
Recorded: 1h07
